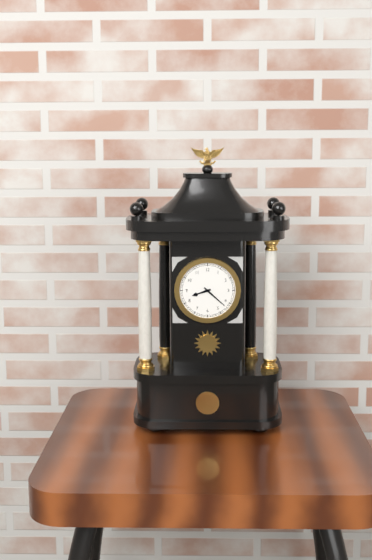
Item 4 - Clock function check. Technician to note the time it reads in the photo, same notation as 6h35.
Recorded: 8h22
